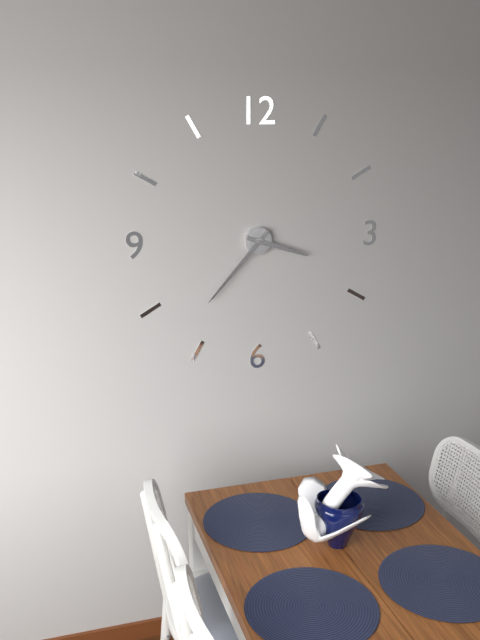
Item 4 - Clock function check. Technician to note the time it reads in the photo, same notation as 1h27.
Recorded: 3h37
